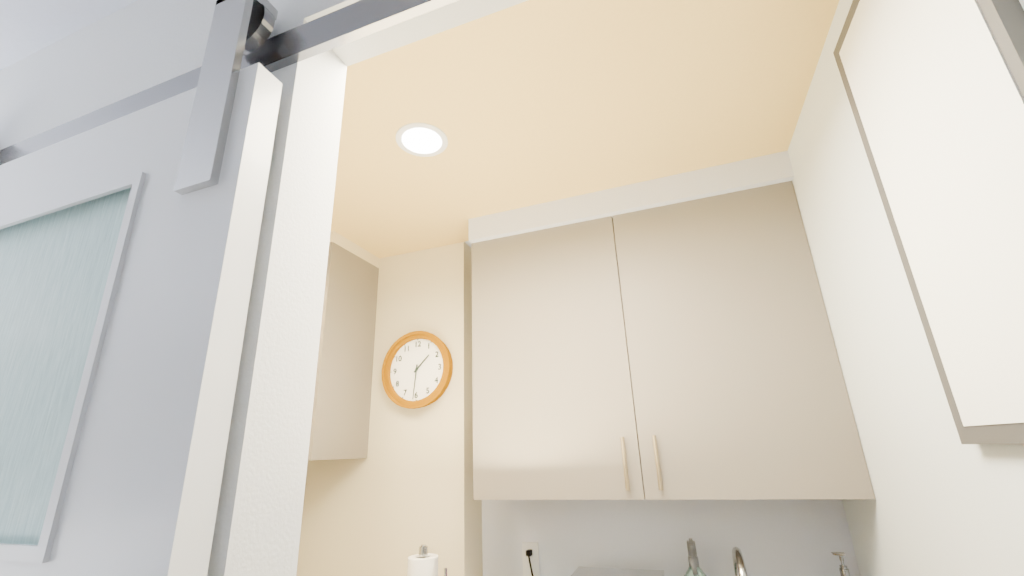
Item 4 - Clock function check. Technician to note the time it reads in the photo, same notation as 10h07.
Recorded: 1h31
